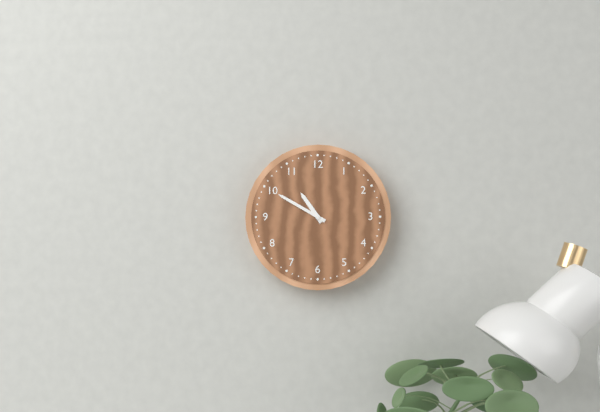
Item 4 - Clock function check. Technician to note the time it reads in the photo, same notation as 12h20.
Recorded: 10h50
